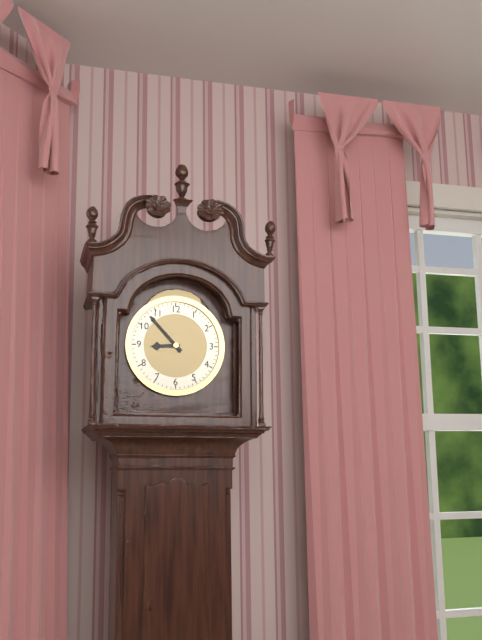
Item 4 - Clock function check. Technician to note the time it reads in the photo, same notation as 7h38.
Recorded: 8h53
